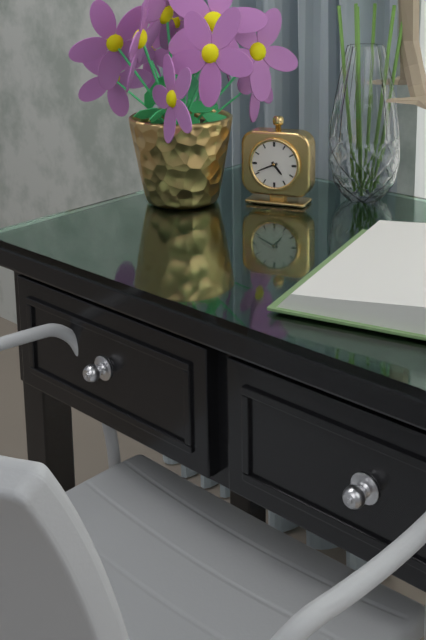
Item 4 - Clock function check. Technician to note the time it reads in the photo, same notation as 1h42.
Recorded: 4h41
